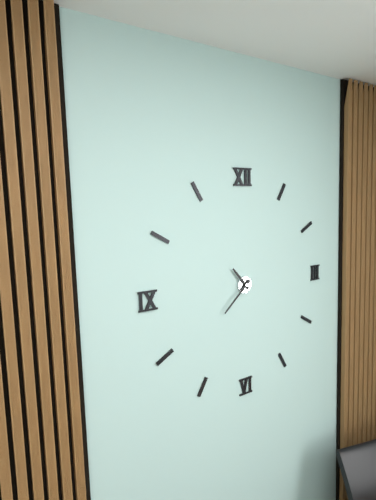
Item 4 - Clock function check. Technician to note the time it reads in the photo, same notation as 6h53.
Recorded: 10h38
